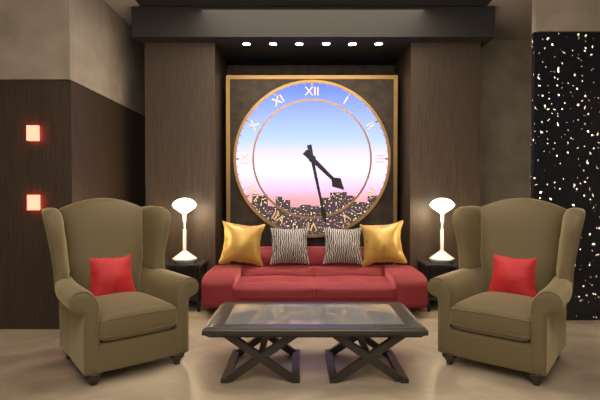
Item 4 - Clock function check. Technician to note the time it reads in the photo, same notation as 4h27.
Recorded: 4h28
